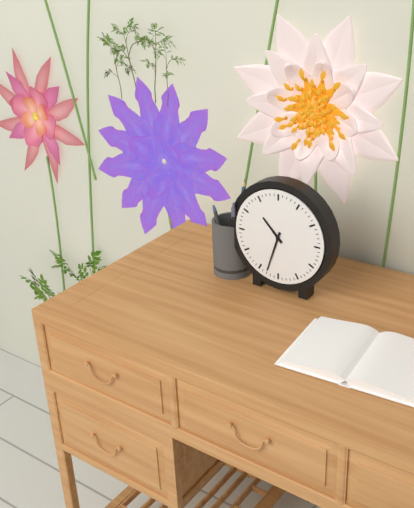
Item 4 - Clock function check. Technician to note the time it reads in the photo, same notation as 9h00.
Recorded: 10h33
